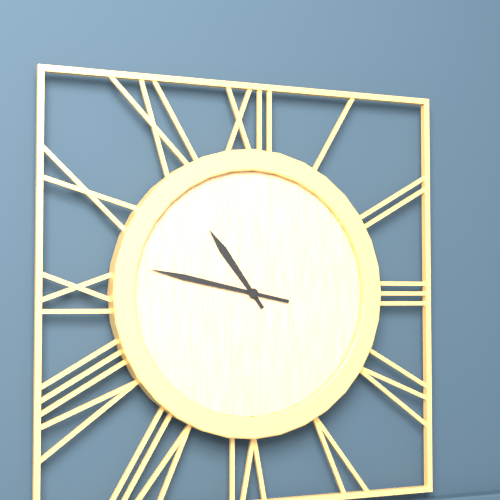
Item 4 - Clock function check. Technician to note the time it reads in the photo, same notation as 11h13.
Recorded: 10h47
